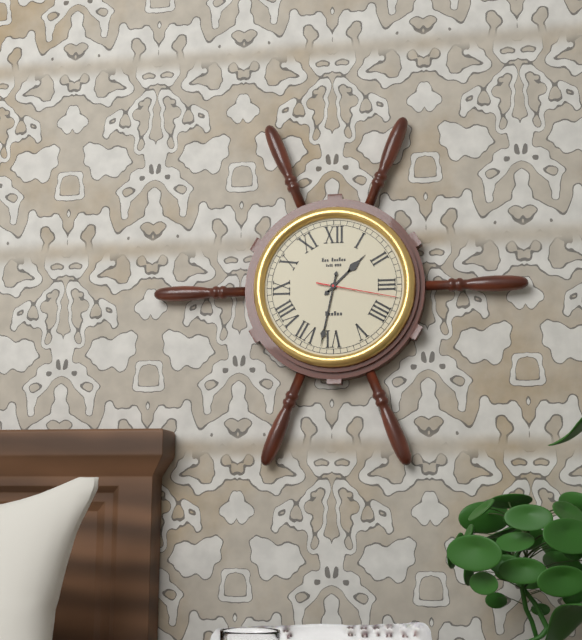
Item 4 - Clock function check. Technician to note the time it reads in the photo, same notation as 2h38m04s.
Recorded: 1h32m17s
